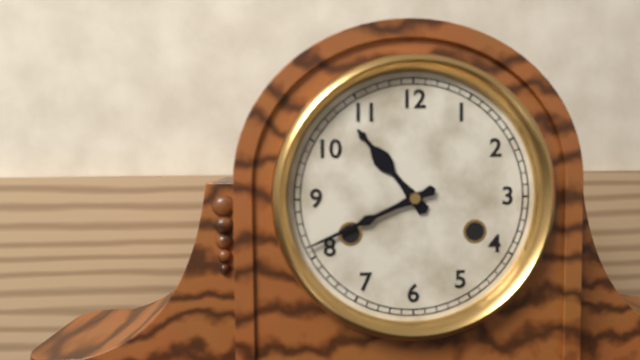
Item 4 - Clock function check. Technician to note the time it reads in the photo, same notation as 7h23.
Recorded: 10h41
